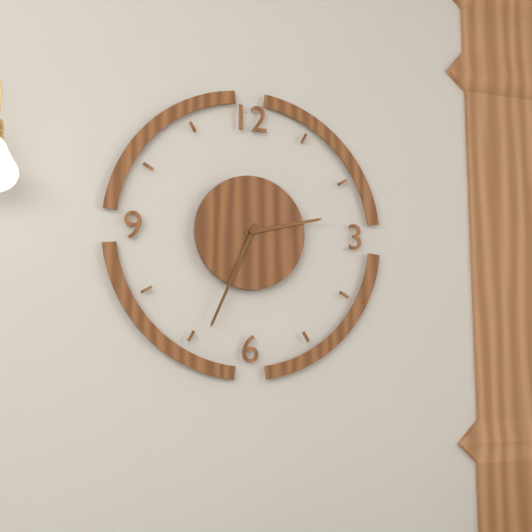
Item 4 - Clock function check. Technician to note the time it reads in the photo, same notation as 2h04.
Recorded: 2h34
